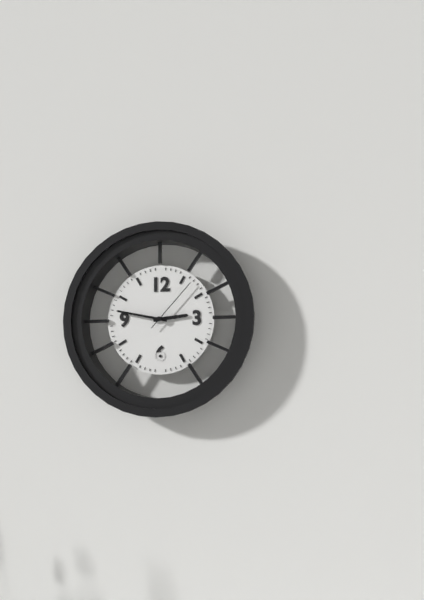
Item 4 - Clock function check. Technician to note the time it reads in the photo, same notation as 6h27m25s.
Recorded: 2h47m07s
